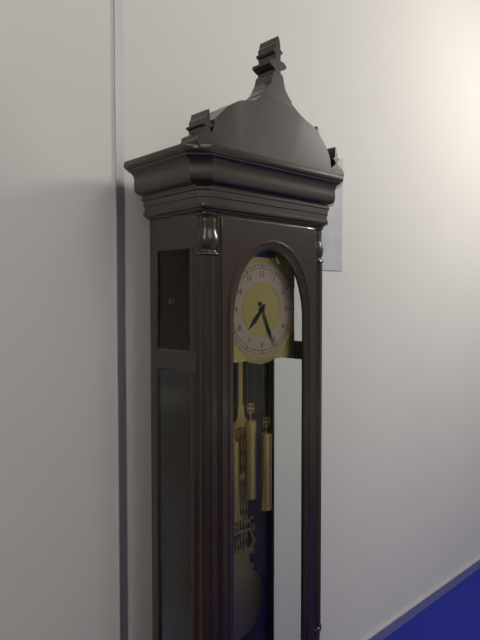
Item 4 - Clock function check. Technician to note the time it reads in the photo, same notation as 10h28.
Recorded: 7h26
